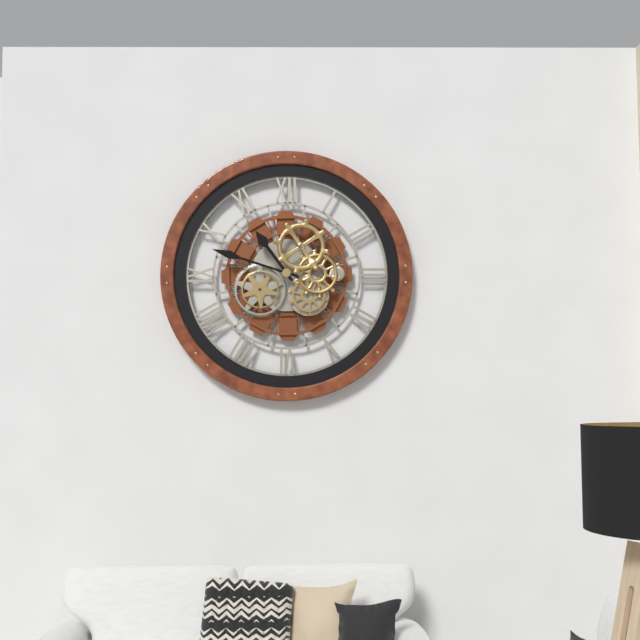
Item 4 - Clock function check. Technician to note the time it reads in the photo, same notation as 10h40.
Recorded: 10h48
